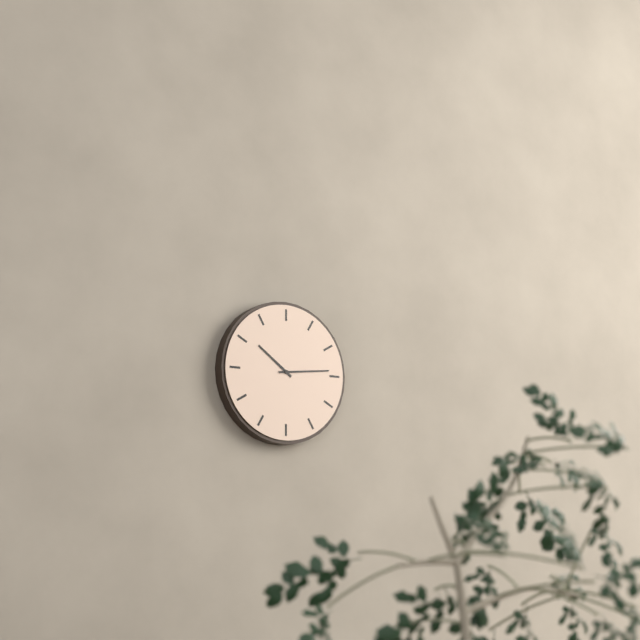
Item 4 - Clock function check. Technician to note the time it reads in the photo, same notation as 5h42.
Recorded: 10h14
